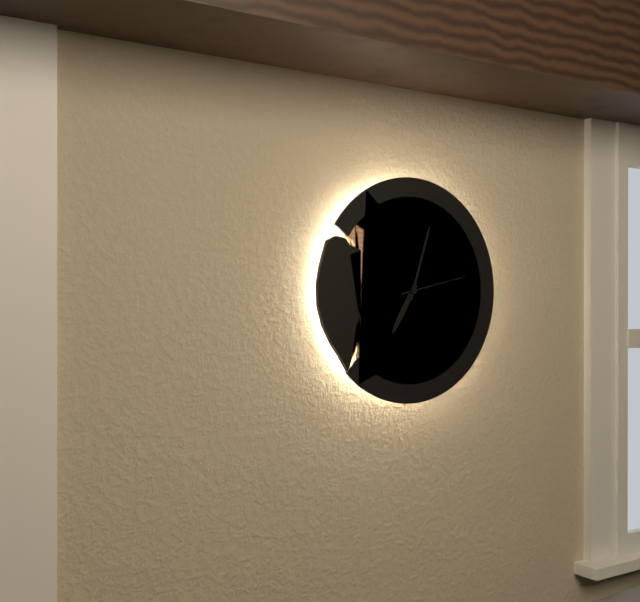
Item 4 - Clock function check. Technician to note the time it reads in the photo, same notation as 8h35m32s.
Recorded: 7h03m13s
